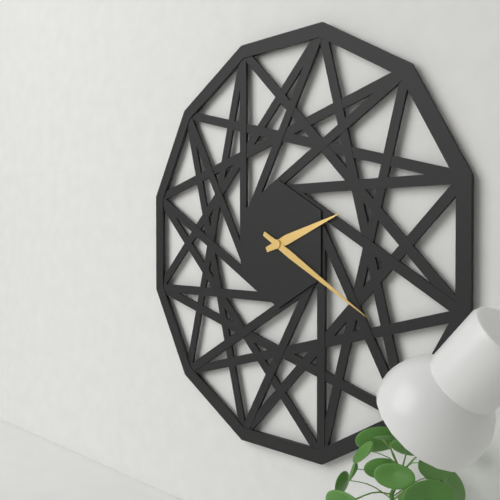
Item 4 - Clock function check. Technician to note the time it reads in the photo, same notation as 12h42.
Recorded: 2h20
